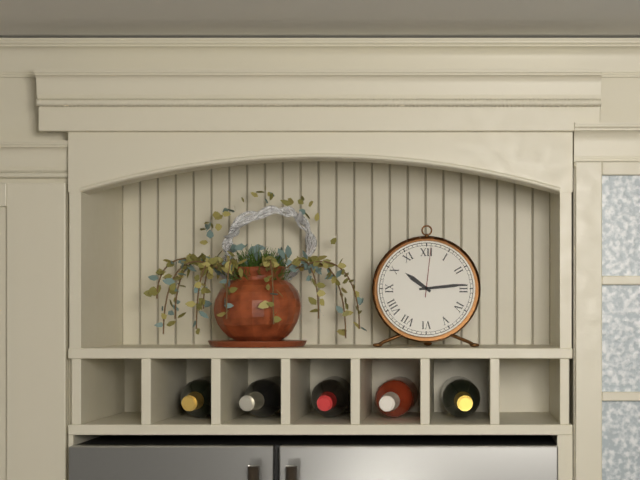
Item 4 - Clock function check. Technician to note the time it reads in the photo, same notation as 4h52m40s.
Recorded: 10h14m01s
